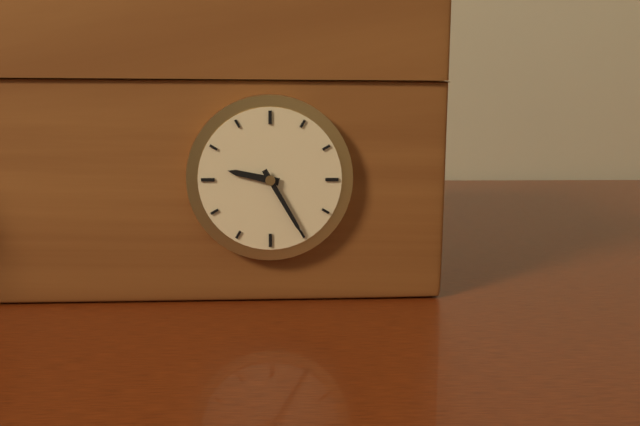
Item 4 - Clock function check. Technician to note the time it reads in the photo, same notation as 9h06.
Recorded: 9h25
